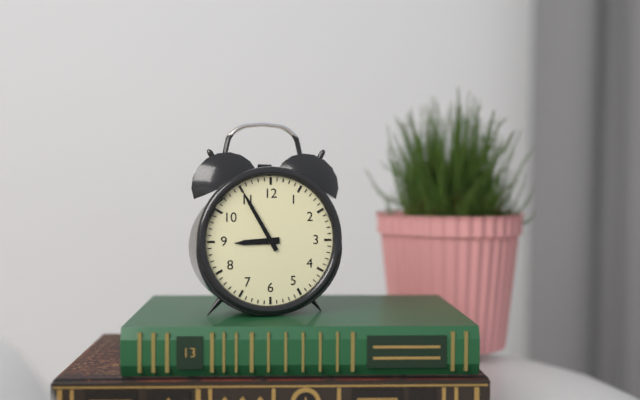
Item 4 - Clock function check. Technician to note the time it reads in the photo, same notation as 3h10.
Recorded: 8h55
